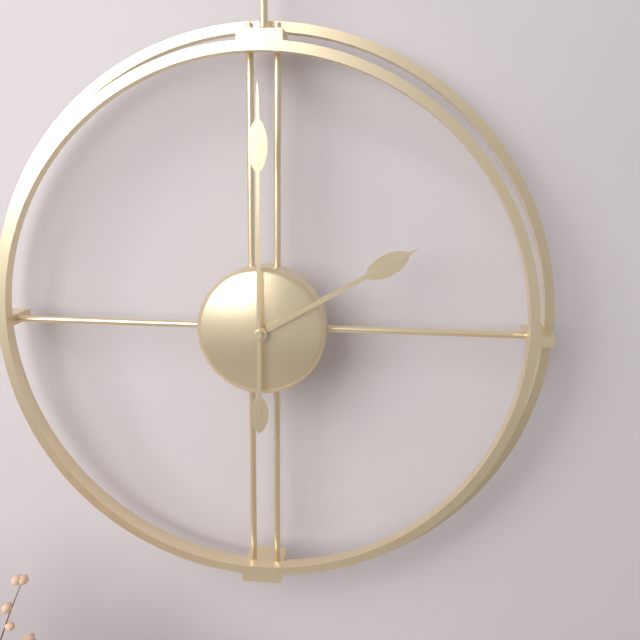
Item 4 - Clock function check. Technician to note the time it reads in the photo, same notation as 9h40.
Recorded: 2h00
